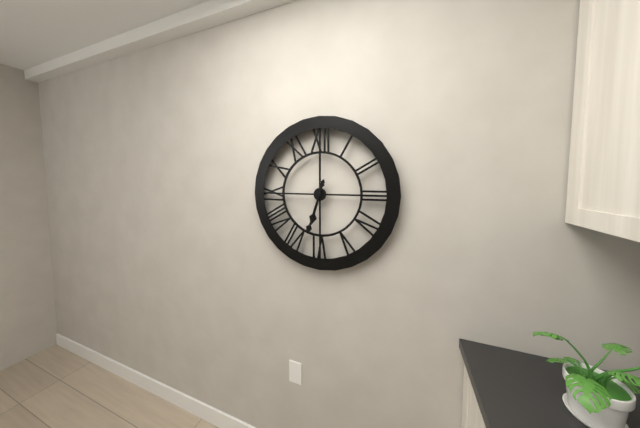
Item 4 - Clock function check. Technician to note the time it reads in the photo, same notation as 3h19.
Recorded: 6h33
